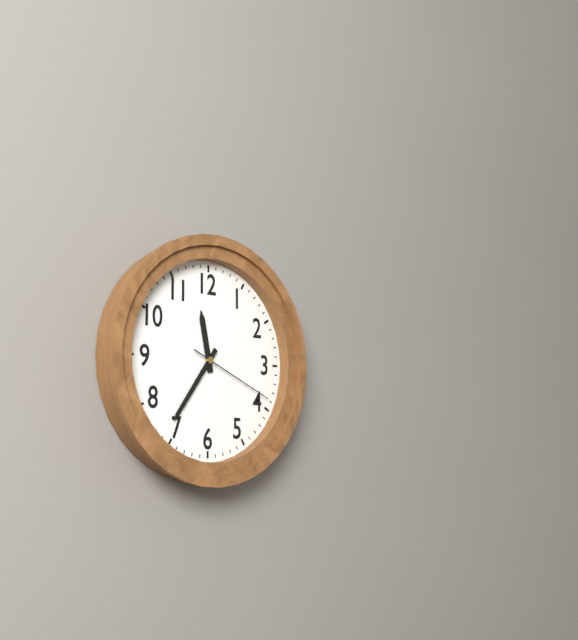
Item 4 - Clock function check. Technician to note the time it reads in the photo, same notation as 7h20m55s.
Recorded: 11h36m19s
